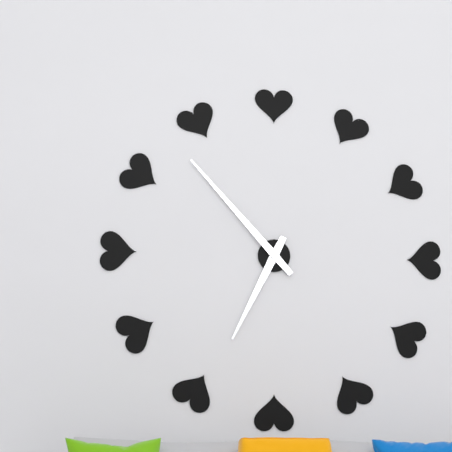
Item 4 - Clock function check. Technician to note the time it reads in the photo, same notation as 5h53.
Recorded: 6h53
